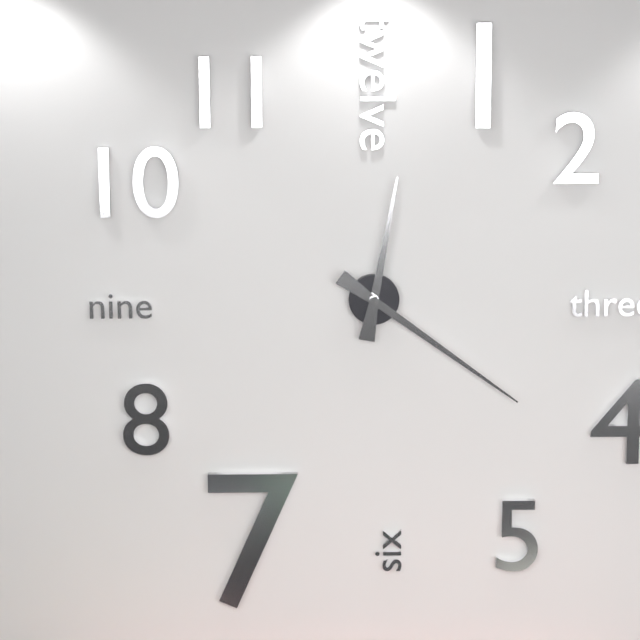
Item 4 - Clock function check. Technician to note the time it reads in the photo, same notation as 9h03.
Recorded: 12h21
